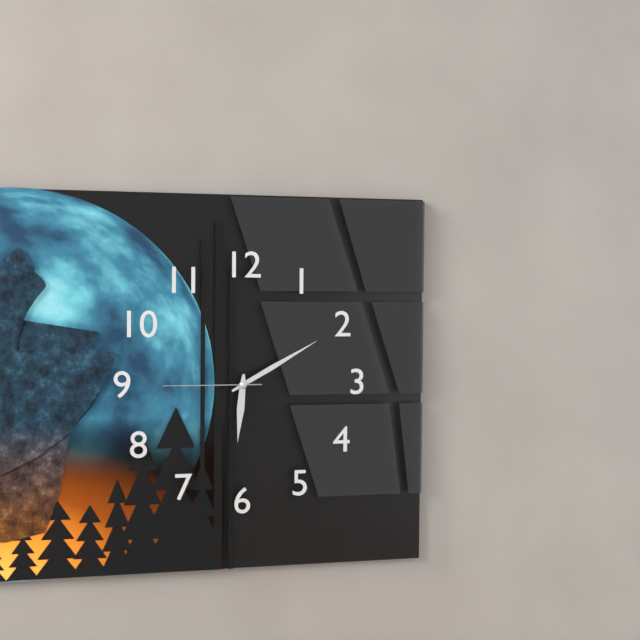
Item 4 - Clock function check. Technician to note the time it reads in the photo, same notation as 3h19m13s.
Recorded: 6h10m45s
